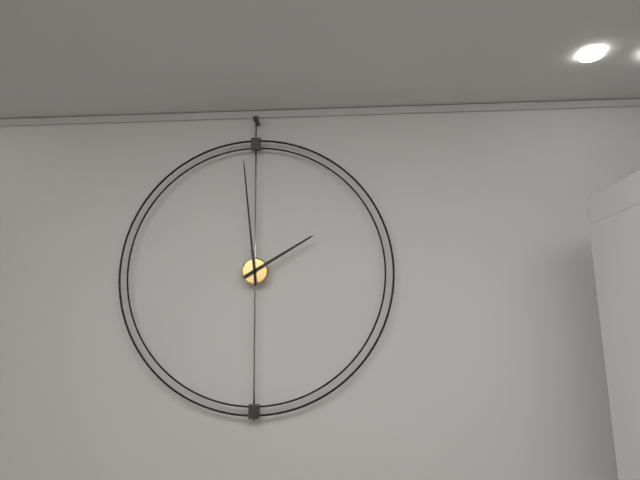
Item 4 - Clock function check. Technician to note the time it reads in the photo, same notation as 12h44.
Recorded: 1h59
